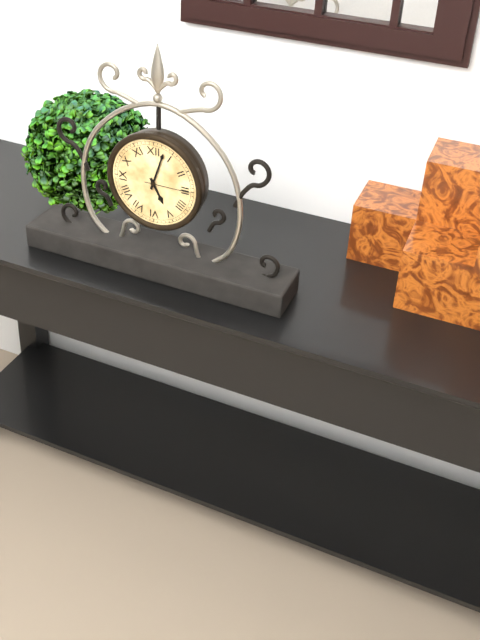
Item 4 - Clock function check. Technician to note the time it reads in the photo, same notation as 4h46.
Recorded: 5h03
